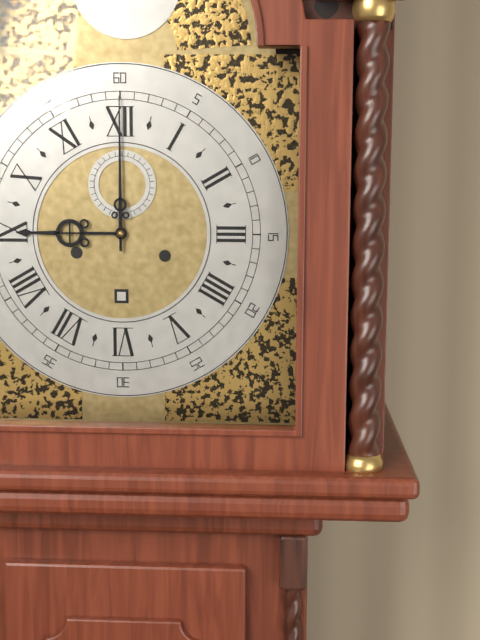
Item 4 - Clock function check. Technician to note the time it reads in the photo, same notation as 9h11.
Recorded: 9h00
